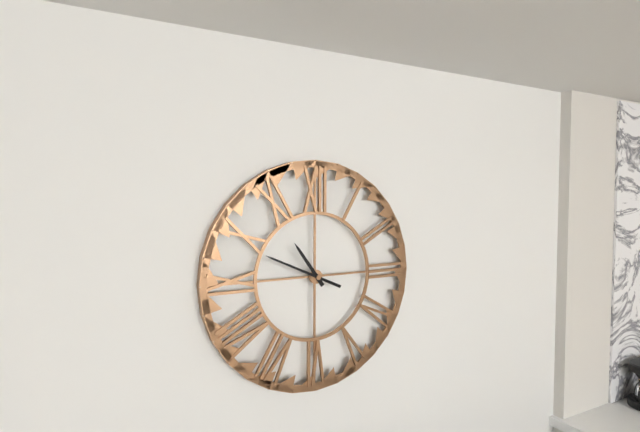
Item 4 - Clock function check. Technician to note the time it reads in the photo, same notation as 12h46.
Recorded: 10h49
